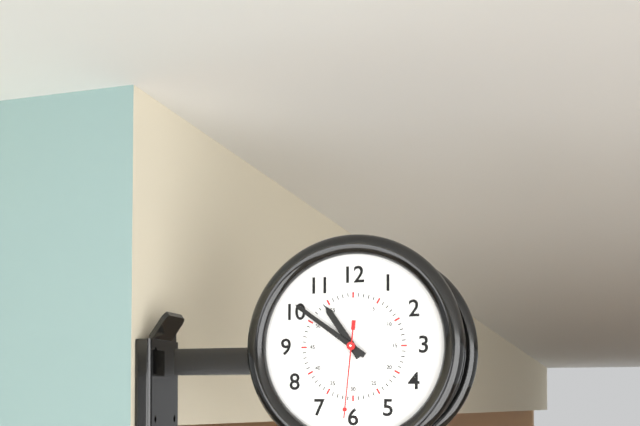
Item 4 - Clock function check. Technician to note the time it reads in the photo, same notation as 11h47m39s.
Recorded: 10h51m31s
